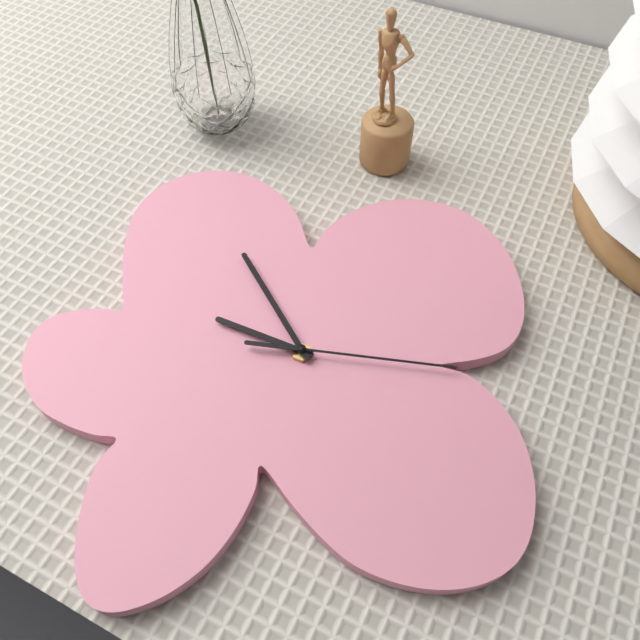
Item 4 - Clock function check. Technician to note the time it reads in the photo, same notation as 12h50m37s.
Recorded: 9h56m17s
